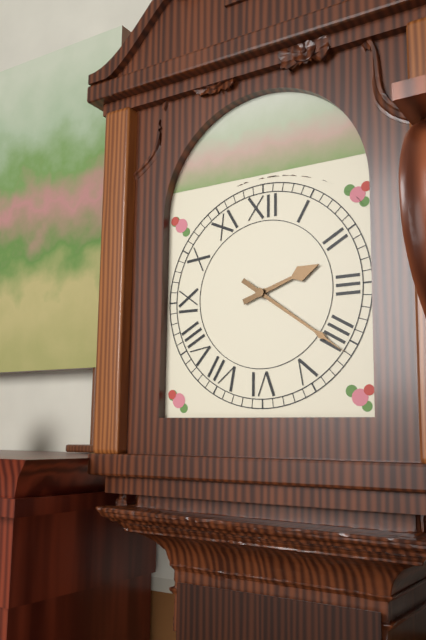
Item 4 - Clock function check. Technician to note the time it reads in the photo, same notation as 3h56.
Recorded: 2h21
